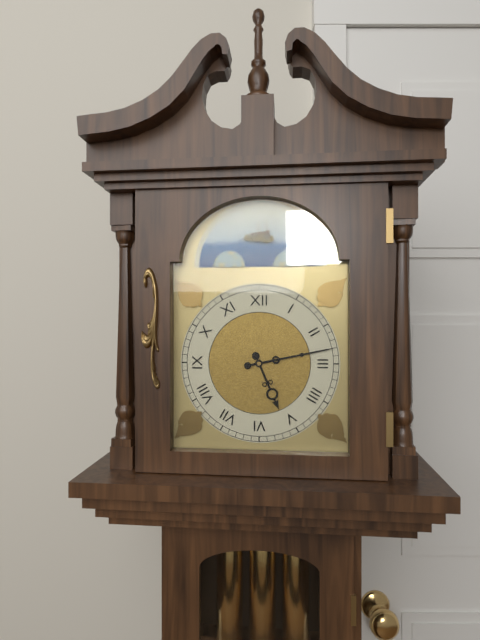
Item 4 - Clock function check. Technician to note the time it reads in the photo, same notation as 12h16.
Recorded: 5h13
